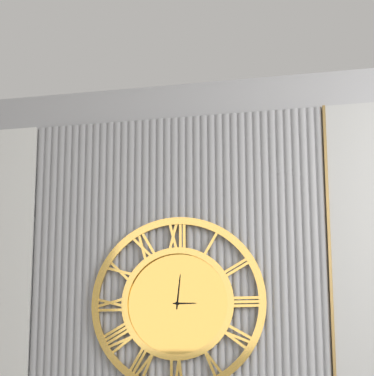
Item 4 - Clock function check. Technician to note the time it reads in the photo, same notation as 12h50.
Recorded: 3h01
